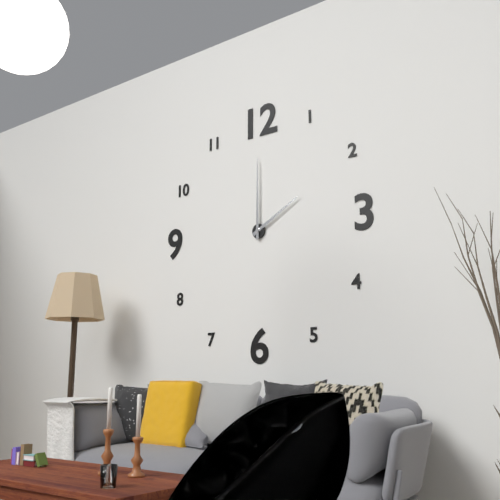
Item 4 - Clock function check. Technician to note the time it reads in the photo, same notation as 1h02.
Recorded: 2h00
